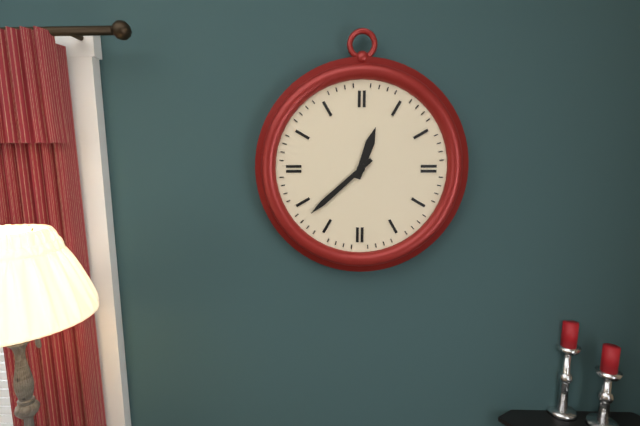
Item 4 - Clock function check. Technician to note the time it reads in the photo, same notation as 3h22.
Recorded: 12h38
